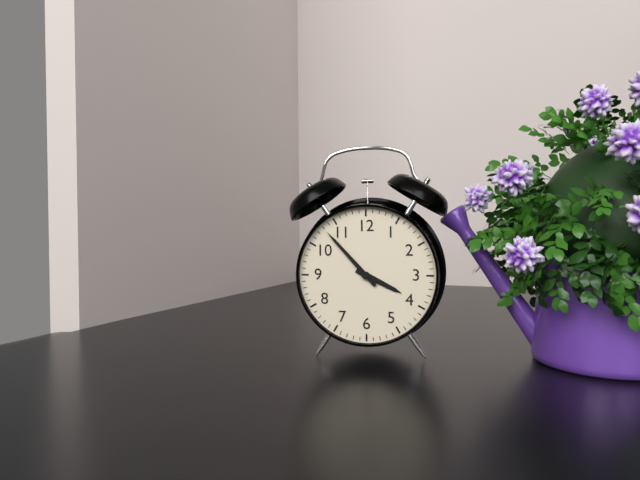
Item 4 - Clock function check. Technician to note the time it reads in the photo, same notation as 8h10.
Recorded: 3h53
